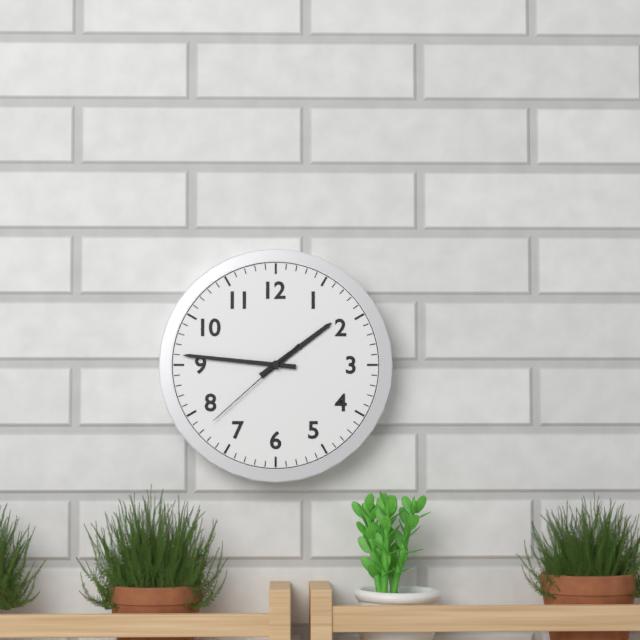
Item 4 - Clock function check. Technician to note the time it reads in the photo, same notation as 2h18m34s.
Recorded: 1h46m38s
